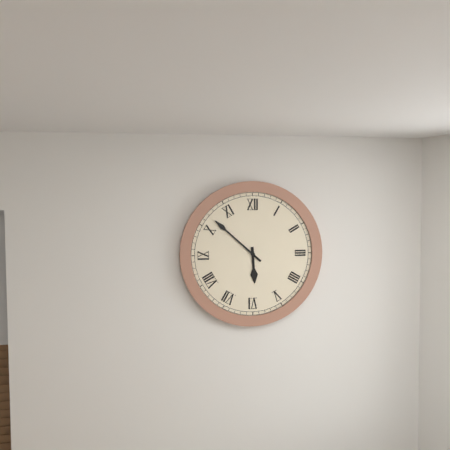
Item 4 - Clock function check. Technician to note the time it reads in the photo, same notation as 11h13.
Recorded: 5h52
